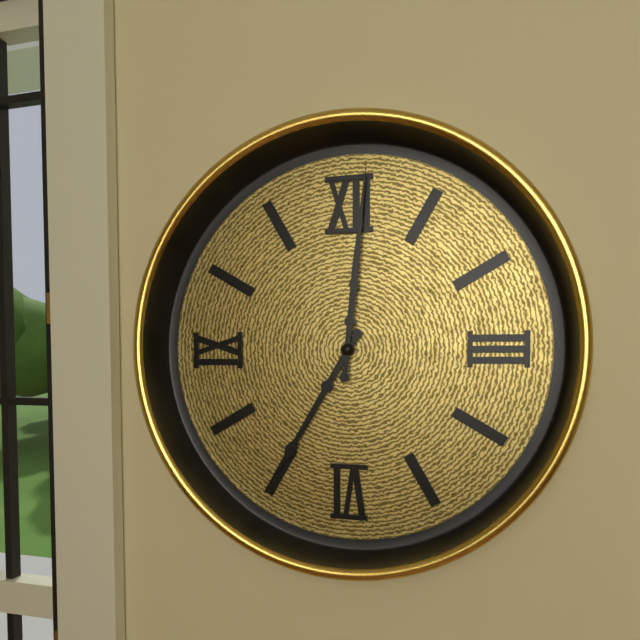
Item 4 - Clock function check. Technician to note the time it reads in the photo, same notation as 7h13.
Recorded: 7h01
